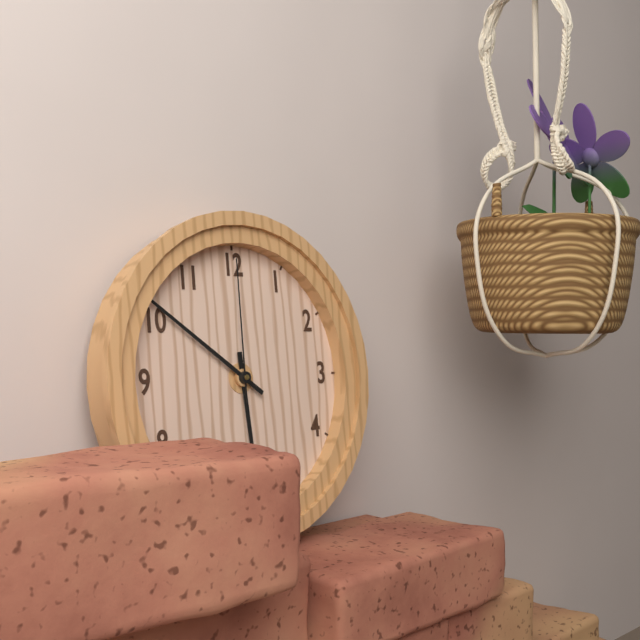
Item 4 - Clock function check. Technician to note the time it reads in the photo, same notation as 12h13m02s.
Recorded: 5h51m00s
